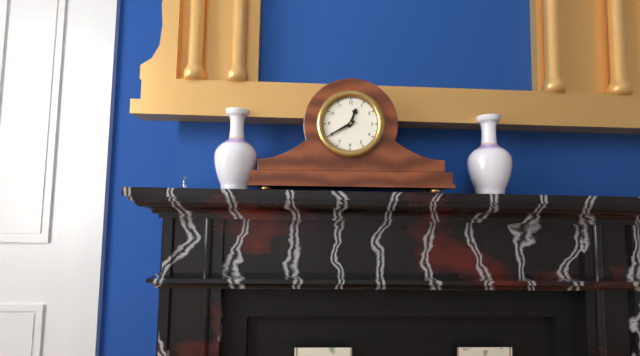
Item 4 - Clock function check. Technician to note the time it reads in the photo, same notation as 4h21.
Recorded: 12h40
